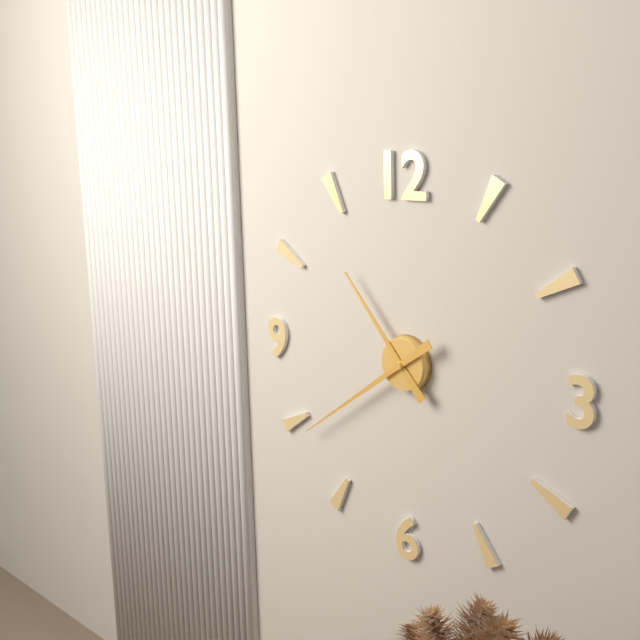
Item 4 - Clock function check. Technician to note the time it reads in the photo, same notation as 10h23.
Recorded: 10h39
